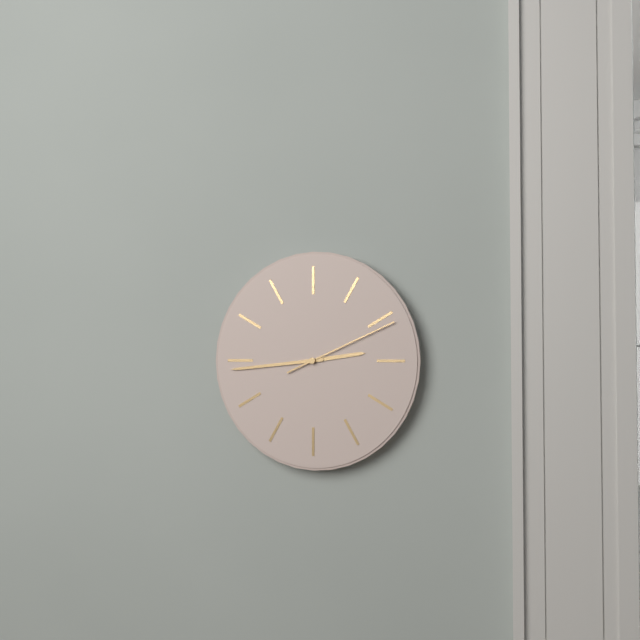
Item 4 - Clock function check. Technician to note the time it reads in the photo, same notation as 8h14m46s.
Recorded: 2h44m11s
